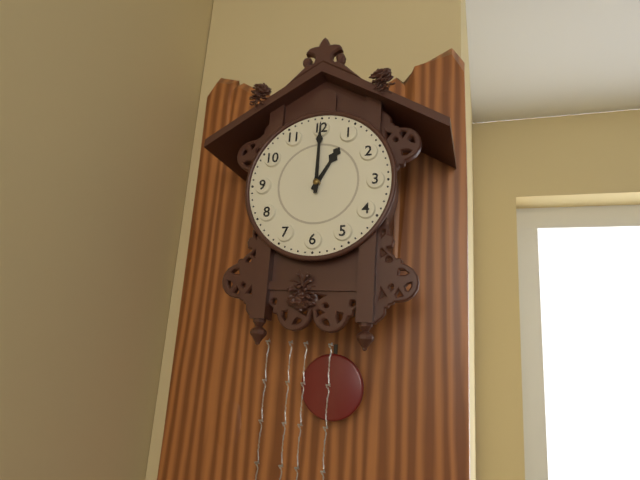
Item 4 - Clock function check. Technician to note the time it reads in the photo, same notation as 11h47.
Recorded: 1h00
